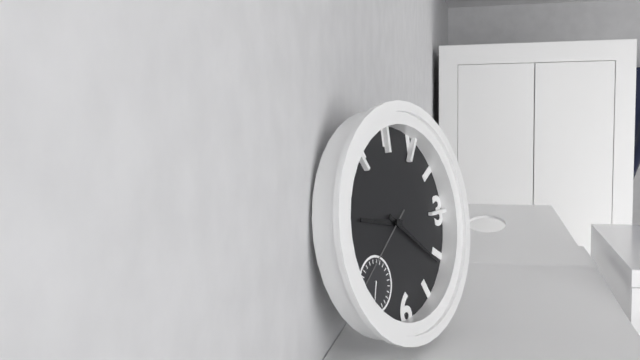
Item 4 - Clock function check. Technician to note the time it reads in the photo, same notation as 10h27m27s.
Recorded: 9h21m39s
